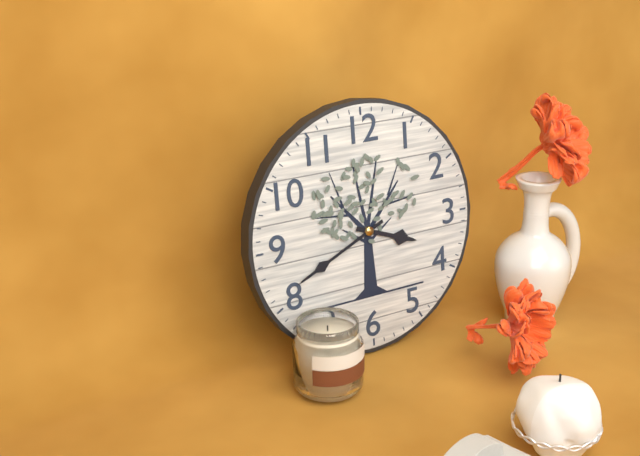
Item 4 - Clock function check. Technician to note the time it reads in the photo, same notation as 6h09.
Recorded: 3h41
